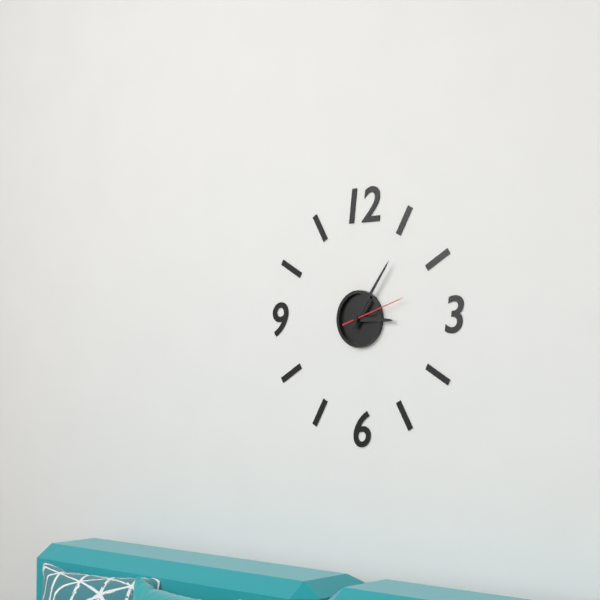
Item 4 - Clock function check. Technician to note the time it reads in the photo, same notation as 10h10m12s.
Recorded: 3h06m12s
